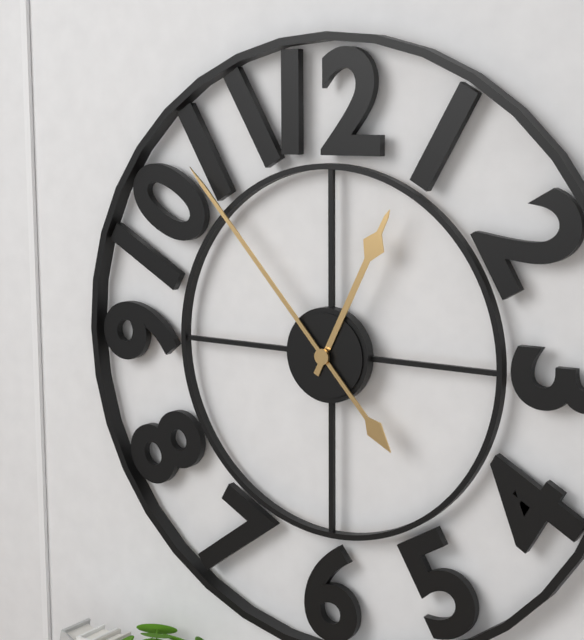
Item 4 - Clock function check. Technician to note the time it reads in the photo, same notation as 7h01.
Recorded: 12h53
